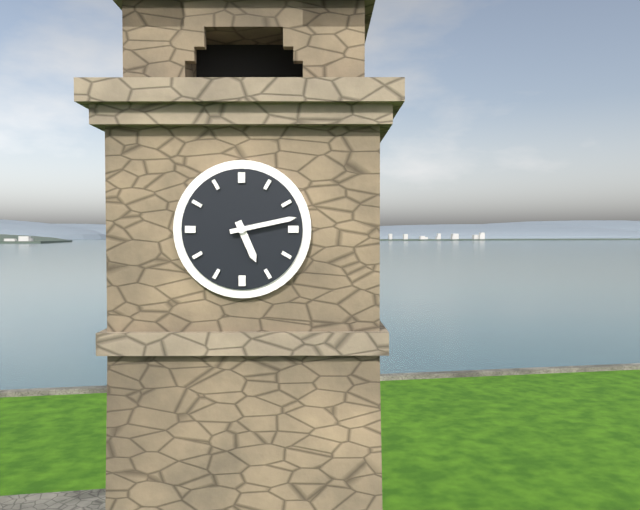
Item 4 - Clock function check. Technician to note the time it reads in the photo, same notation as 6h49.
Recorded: 5h13
